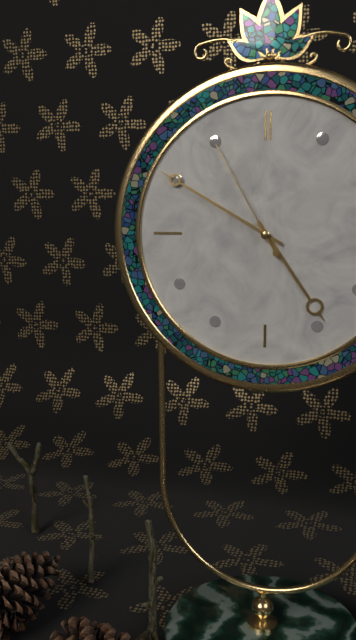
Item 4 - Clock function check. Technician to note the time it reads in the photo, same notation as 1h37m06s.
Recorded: 4h50m55s
